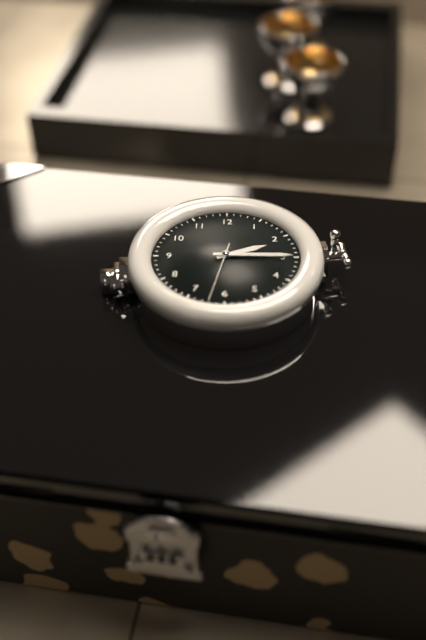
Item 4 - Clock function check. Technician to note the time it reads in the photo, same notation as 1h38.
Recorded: 2h15
